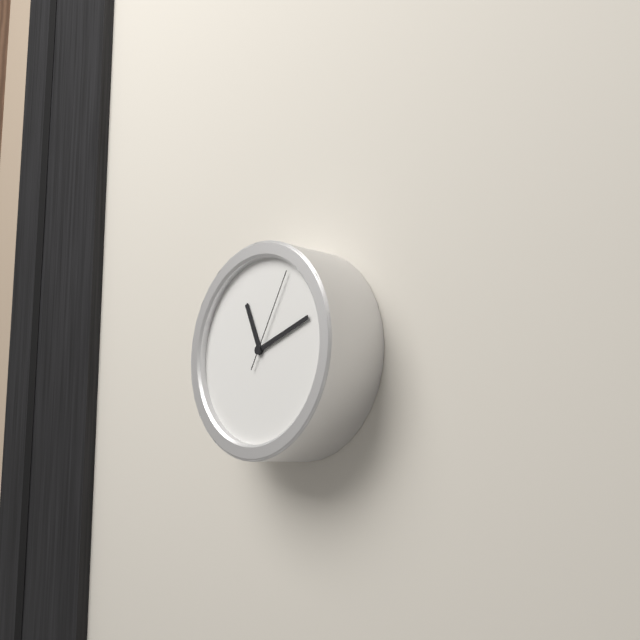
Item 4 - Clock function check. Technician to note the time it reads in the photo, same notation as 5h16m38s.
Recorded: 11h12m05s
